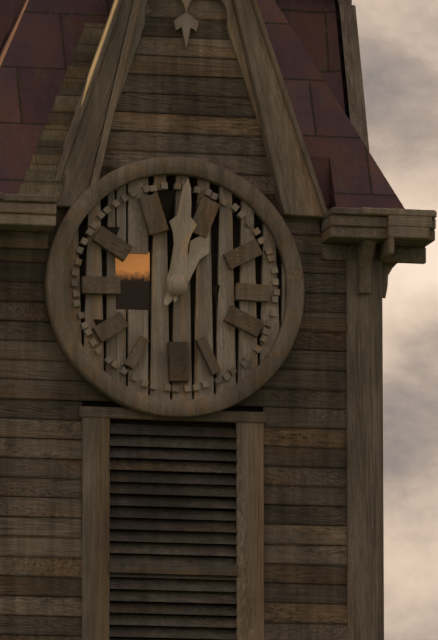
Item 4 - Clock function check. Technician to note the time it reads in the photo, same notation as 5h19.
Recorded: 1h01
